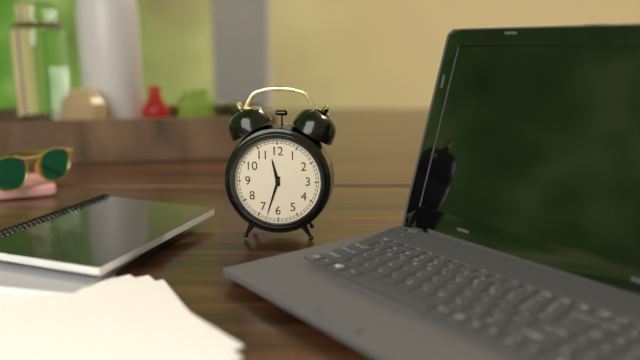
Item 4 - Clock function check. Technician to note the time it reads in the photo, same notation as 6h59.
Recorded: 11h33
